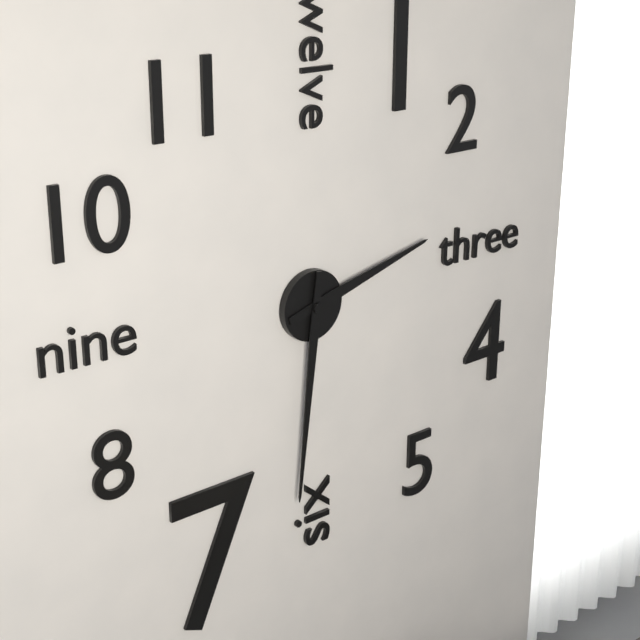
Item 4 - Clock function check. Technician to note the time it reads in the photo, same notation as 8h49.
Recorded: 2h31
